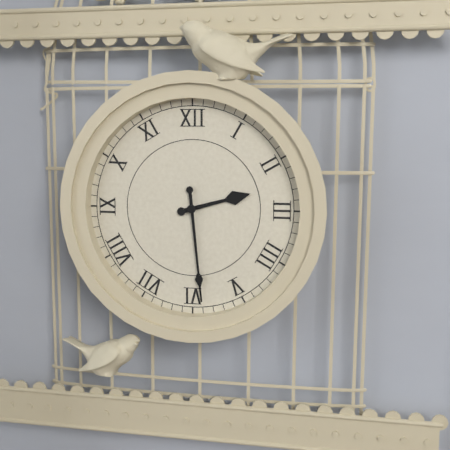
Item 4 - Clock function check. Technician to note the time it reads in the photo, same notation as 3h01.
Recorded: 2h29
